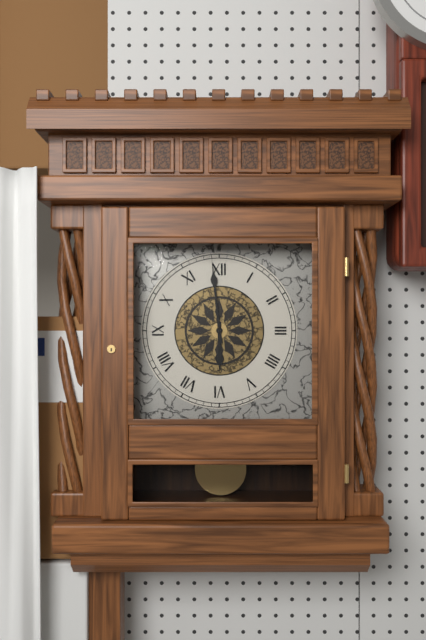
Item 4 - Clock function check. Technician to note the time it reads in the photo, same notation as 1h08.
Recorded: 5h59
